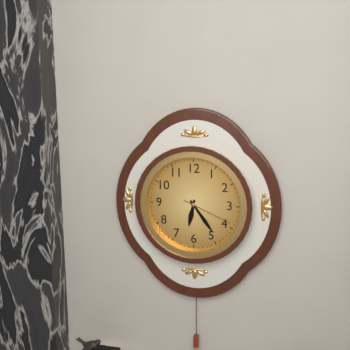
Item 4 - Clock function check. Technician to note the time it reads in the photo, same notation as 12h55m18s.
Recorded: 6h24m19s
